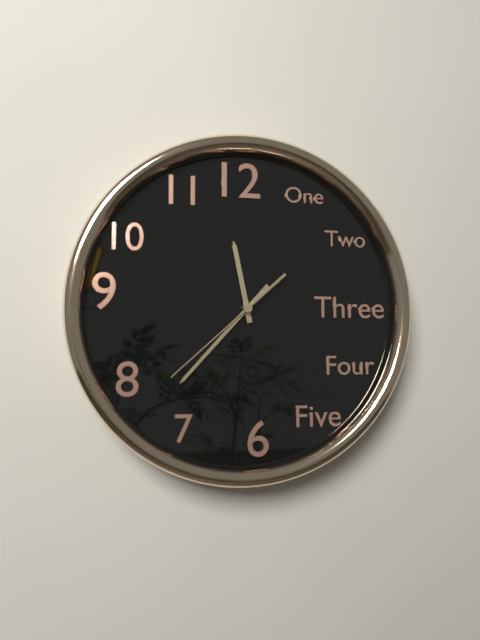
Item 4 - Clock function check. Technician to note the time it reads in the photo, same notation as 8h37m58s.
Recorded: 11h37m38s
